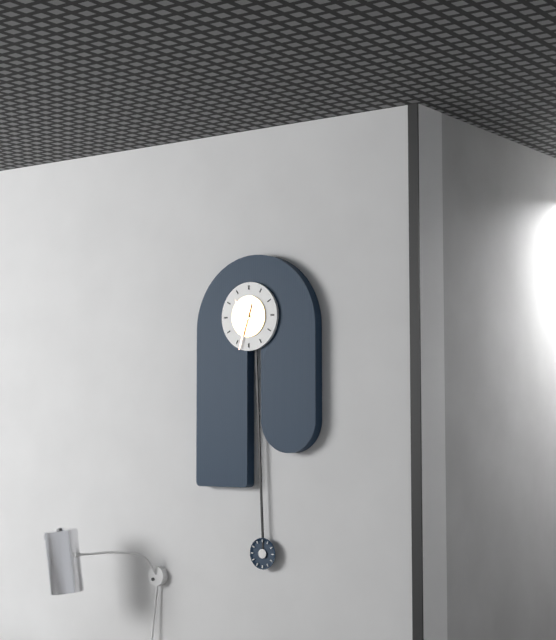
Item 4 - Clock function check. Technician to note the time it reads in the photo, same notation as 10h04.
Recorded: 10h33
